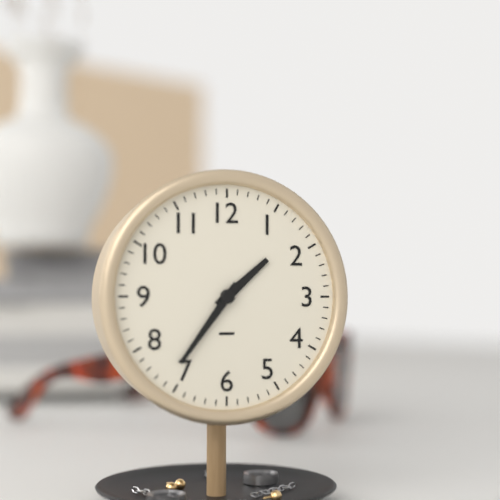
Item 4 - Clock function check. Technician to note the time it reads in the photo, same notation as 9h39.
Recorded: 1h36
